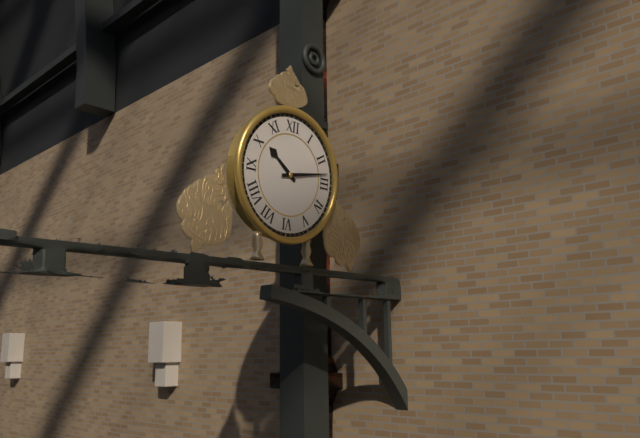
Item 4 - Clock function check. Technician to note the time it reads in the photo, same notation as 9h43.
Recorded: 10h13
